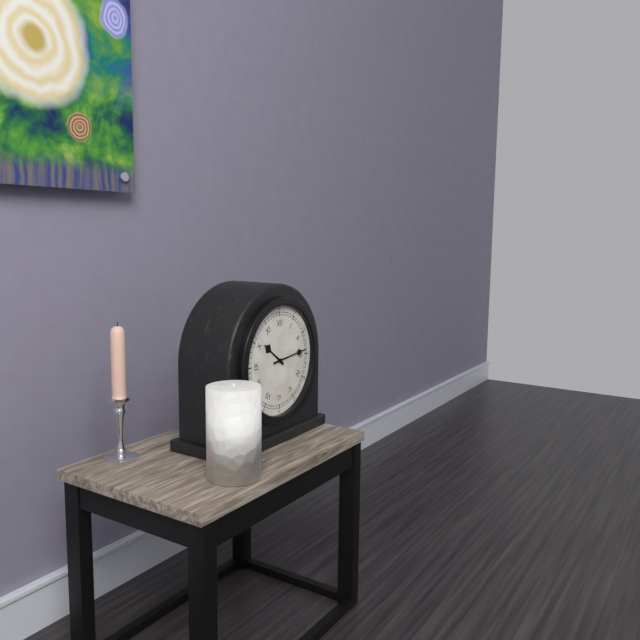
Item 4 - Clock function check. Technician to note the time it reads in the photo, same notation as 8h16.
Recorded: 10h14
